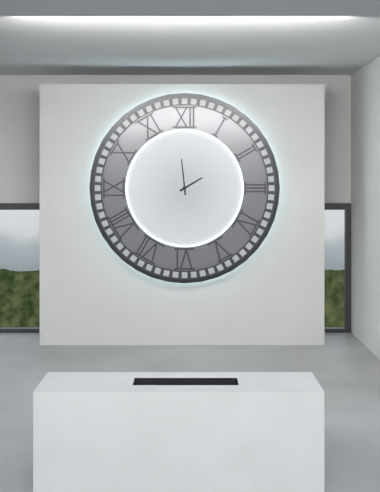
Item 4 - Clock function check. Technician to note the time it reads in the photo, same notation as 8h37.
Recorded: 1h59
